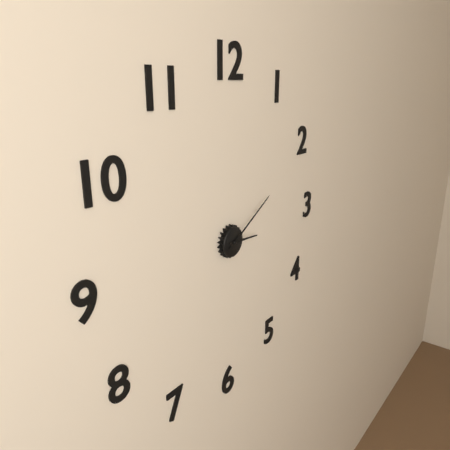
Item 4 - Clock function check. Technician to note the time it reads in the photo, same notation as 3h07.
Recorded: 3h10
